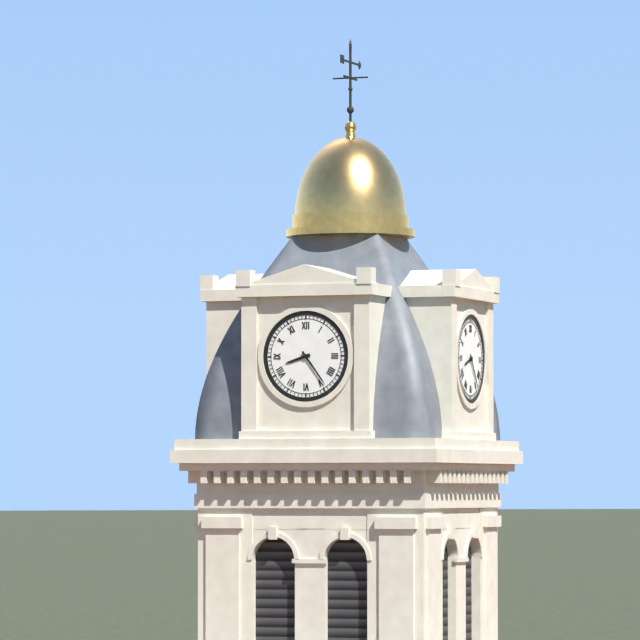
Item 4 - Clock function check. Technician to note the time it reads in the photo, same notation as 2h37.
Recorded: 8h24
